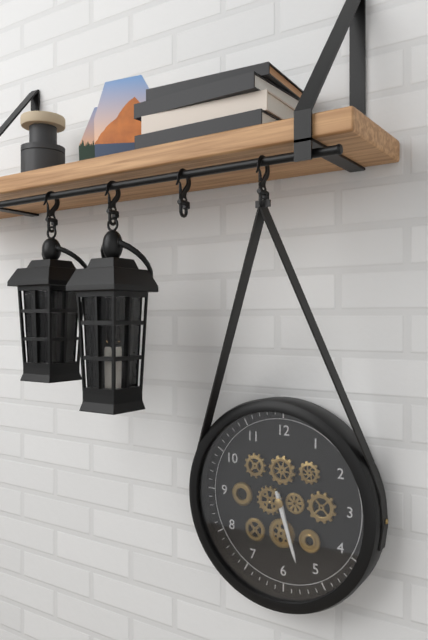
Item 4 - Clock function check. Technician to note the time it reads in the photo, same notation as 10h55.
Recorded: 5h27
